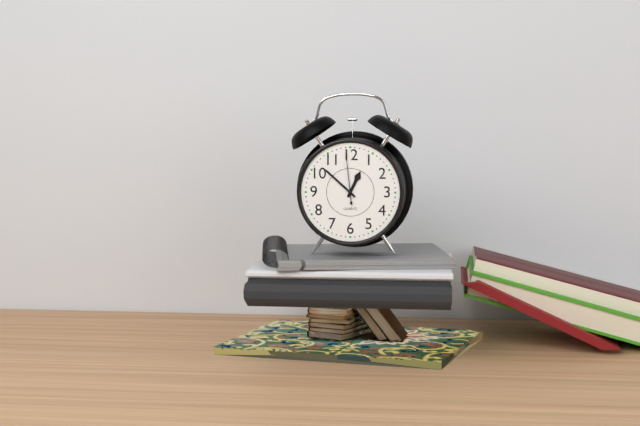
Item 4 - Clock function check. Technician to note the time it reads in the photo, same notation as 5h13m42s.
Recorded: 12h52m59s
